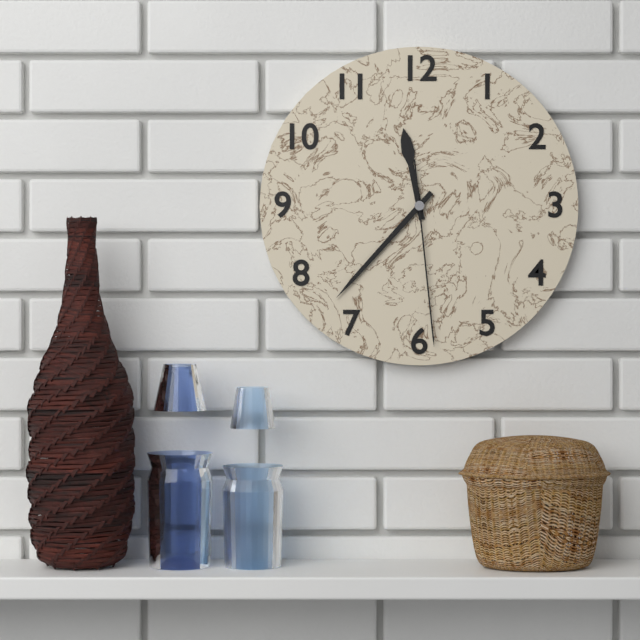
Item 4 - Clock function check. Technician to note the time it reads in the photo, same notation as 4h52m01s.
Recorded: 11h37m29s
